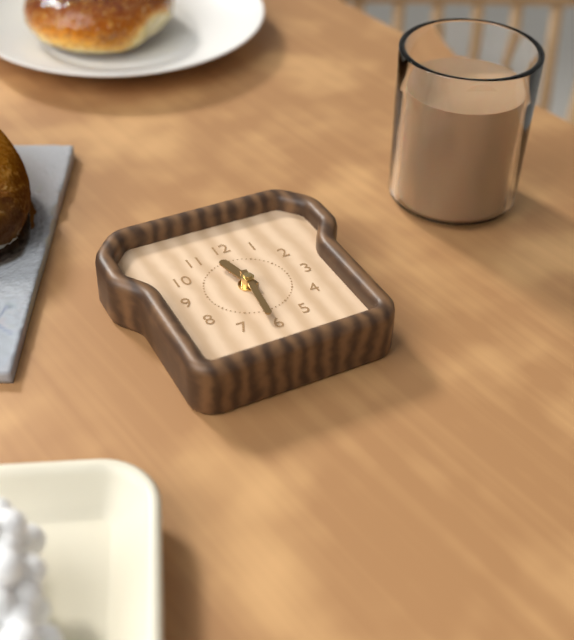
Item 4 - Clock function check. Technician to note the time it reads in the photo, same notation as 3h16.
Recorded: 11h31
